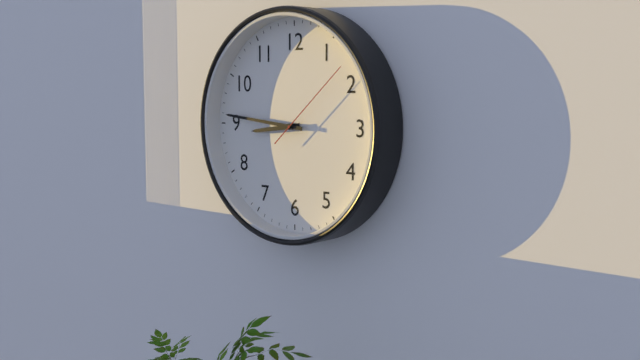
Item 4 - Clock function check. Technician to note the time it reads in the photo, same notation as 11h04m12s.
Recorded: 8h46m08s
